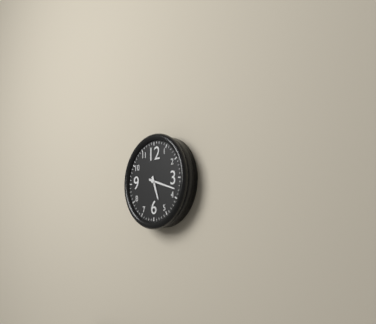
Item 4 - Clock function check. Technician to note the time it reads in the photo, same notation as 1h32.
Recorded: 5h18
